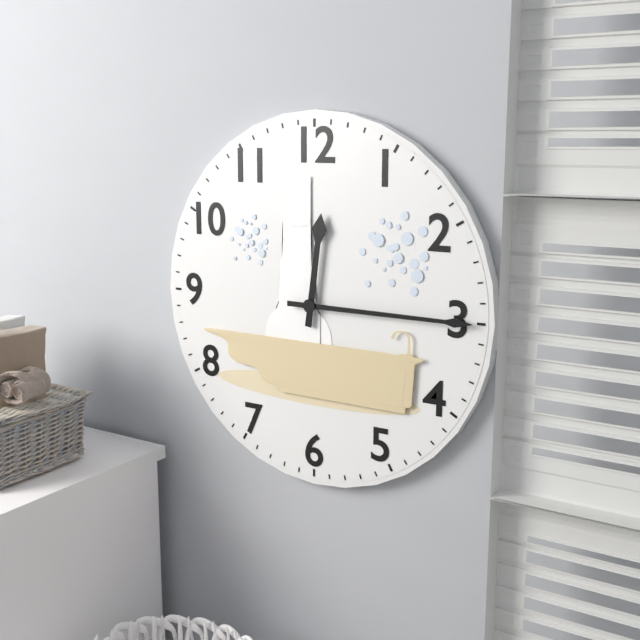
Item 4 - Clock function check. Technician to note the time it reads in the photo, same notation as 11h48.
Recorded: 12h15
